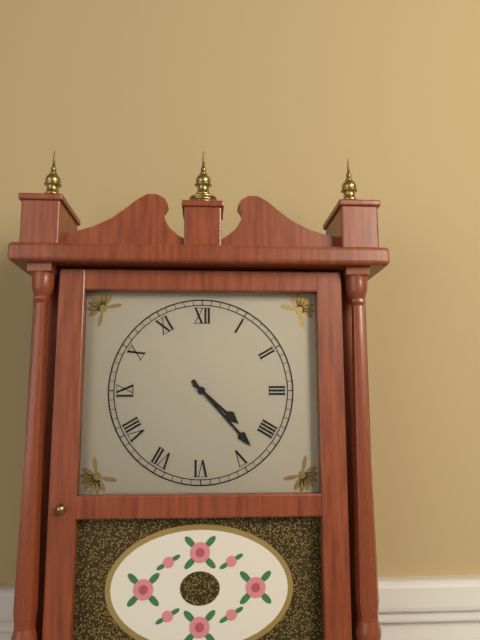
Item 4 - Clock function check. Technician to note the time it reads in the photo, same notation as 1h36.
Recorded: 4h23
